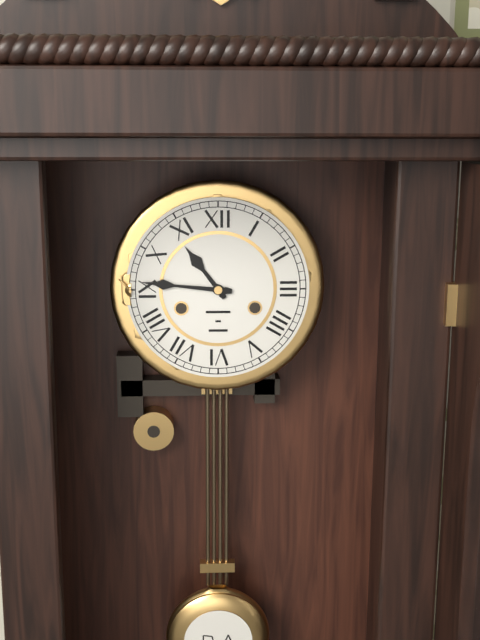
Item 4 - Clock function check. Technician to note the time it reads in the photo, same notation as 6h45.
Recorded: 10h46
